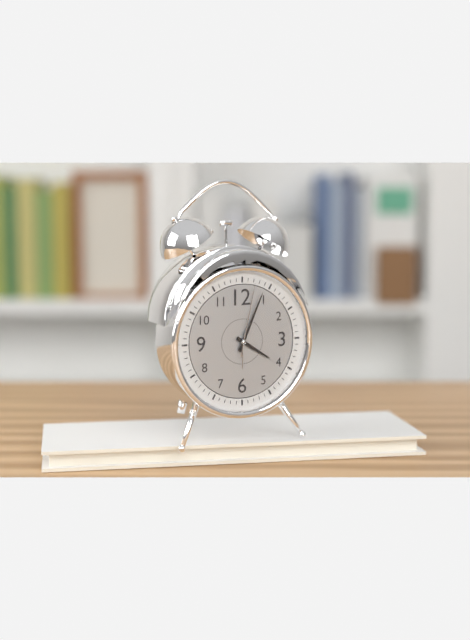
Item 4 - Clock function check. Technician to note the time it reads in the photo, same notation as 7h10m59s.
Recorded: 4h04m02s
